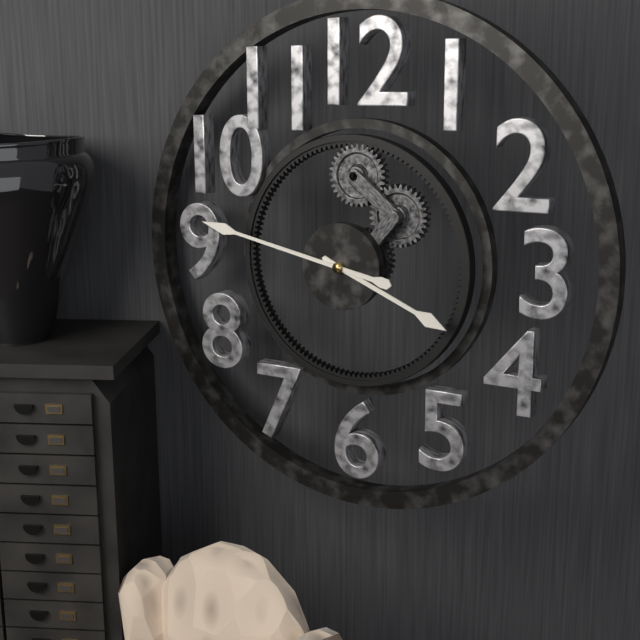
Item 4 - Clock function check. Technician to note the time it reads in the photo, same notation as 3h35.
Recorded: 3h47
